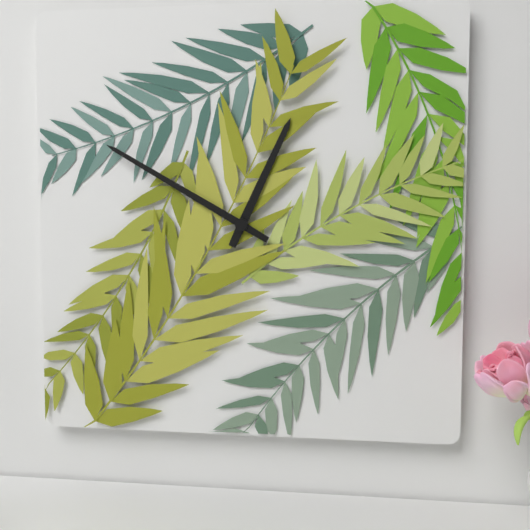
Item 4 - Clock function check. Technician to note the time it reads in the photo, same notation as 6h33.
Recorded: 12h50
